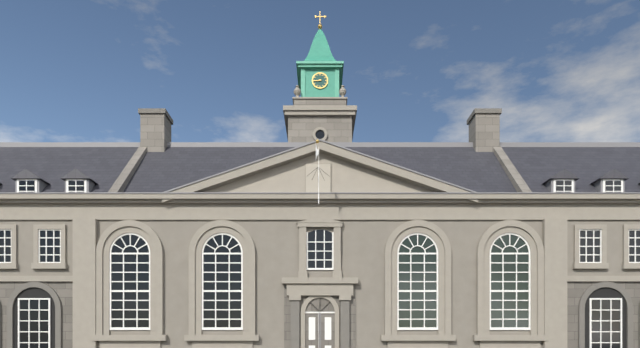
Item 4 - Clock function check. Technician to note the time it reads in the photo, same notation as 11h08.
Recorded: 8h44
